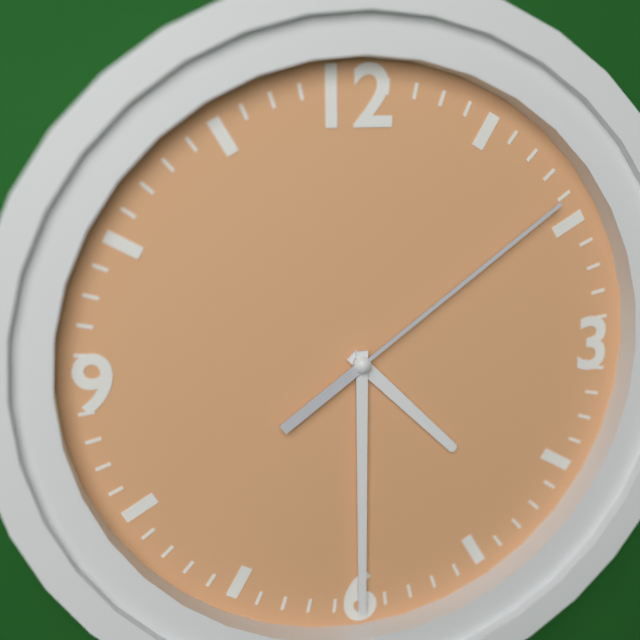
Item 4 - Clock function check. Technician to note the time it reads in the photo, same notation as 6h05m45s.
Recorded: 4h30m09s
